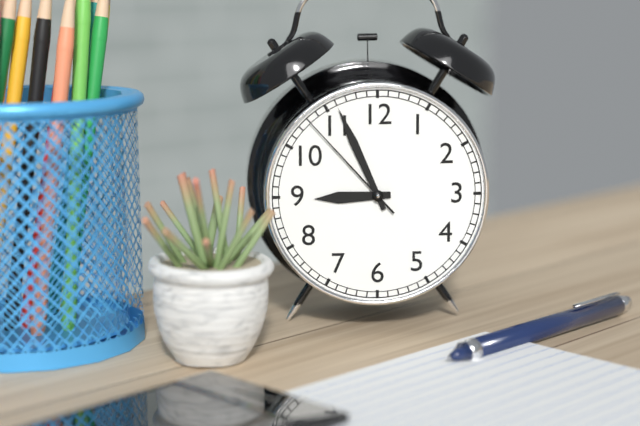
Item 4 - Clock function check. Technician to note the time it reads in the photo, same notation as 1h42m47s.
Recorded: 8h56m53s
